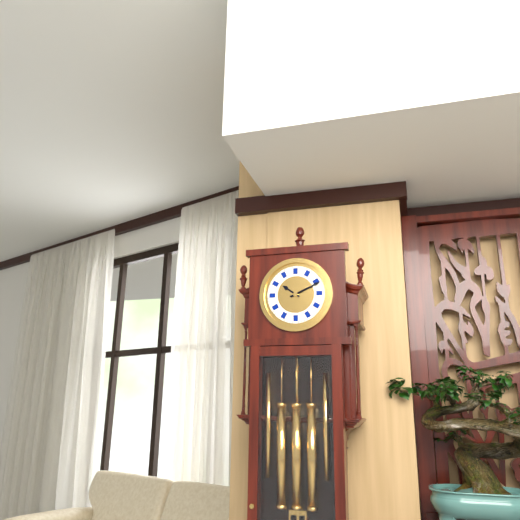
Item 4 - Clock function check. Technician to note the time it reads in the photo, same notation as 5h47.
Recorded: 10h11
